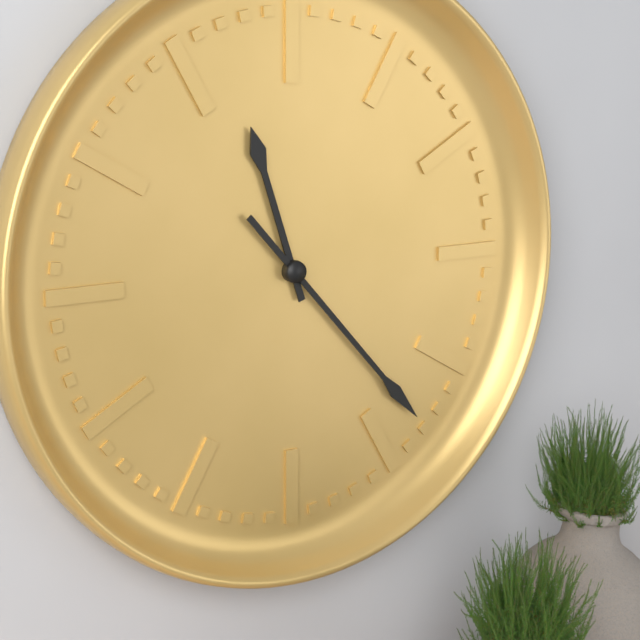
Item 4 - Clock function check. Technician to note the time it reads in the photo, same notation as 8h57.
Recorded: 11h23
